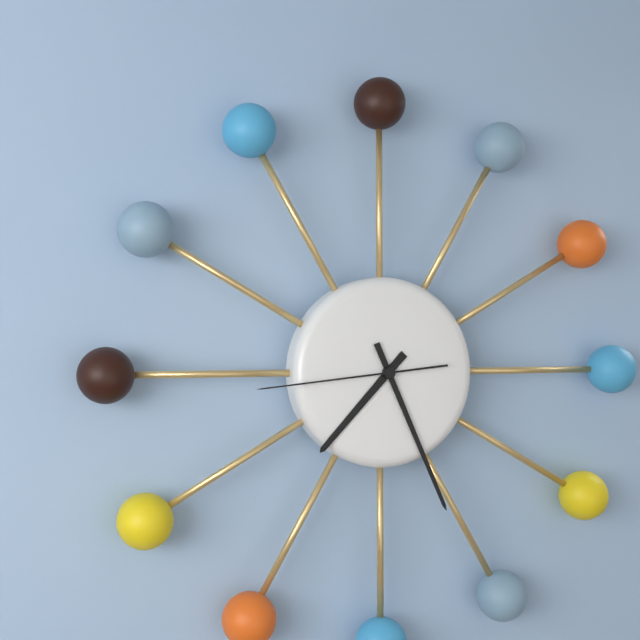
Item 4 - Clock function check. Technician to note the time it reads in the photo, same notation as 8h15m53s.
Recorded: 7h26m44s
